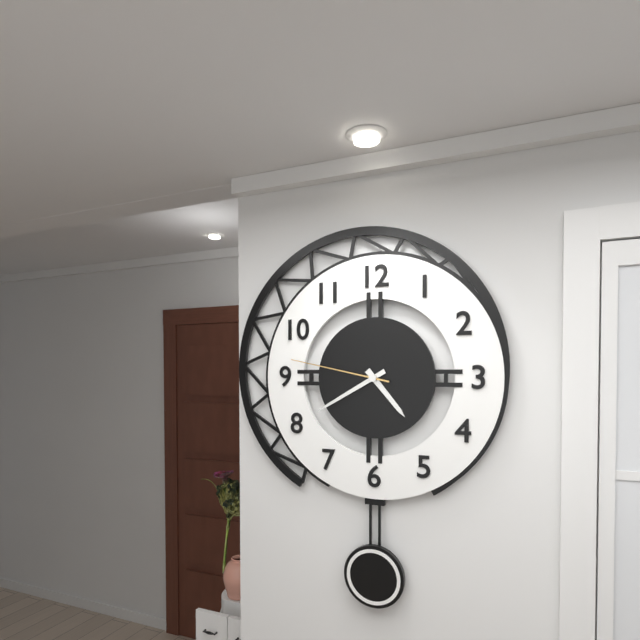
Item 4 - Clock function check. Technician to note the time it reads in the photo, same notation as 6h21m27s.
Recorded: 4h40m47s
